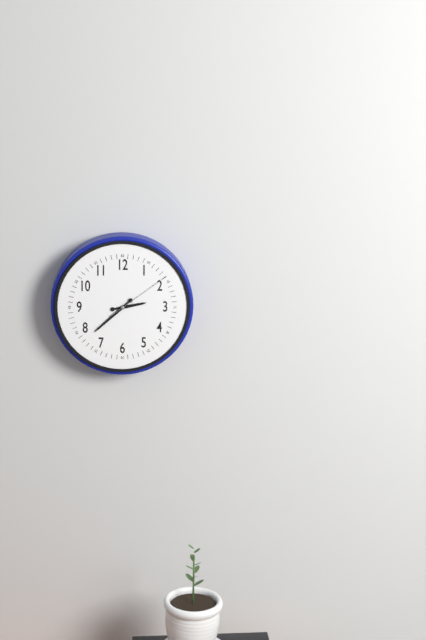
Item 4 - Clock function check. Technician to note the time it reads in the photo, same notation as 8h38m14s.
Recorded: 2h38m09s
